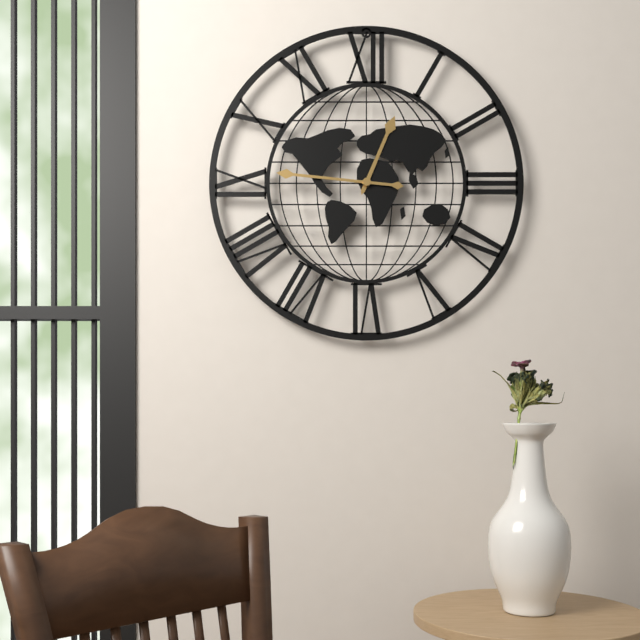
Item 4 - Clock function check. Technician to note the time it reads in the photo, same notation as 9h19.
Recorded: 12h46
